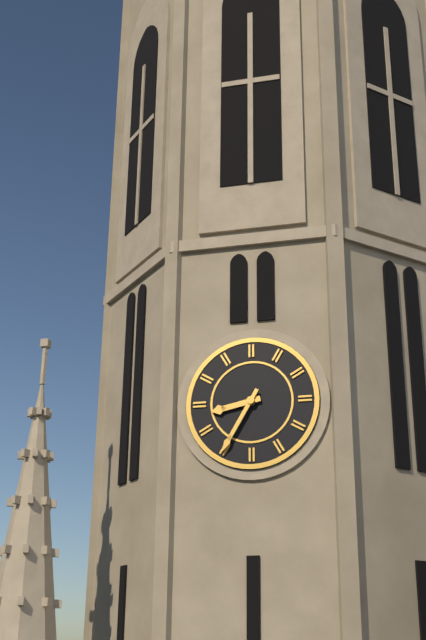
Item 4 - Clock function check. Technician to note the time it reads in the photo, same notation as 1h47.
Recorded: 8h35
